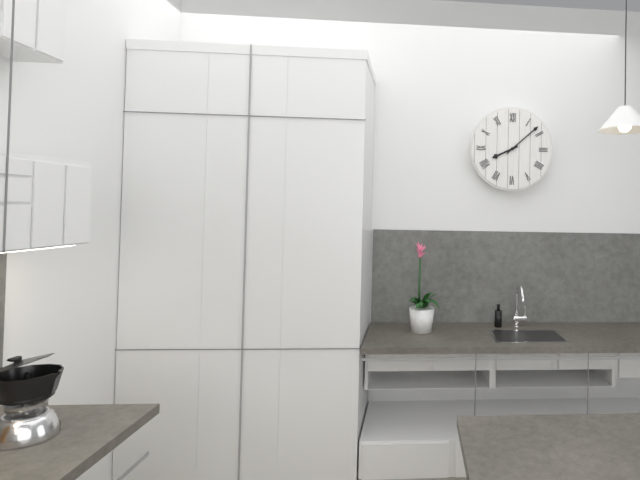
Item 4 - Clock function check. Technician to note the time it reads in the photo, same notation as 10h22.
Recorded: 8h08
